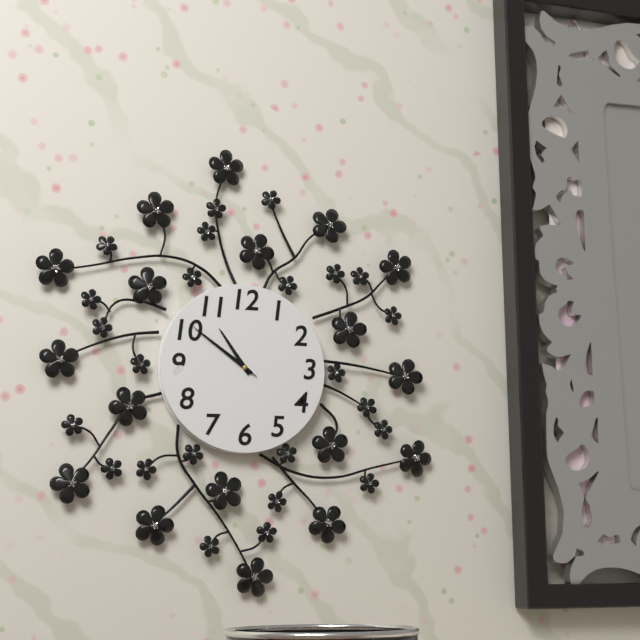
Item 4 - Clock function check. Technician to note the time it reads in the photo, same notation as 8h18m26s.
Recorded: 10h51m51s
